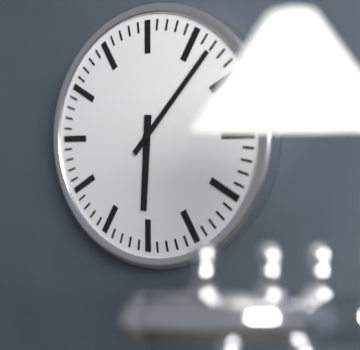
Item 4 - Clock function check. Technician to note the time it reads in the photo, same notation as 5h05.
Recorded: 6h07
